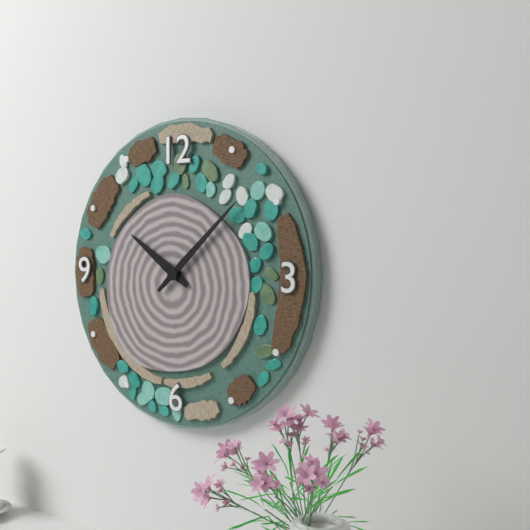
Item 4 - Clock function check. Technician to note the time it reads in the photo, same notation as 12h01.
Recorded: 10h08
